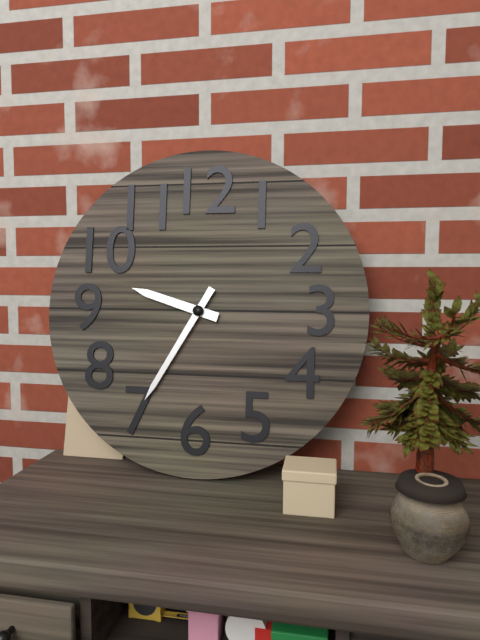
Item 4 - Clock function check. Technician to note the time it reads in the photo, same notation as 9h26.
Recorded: 9h35
